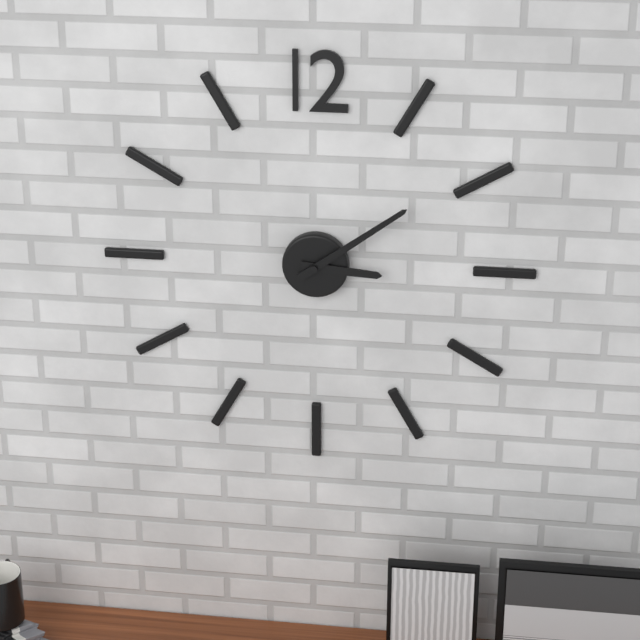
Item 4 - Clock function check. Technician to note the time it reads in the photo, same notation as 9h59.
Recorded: 3h09
